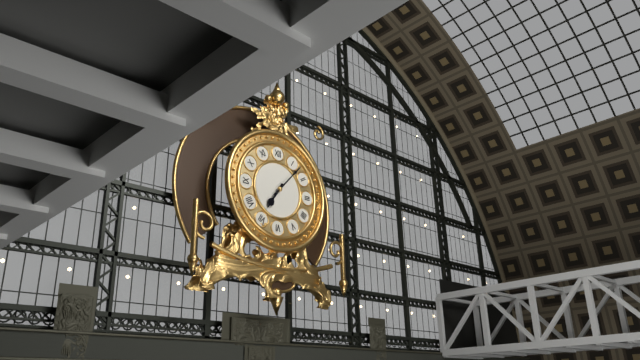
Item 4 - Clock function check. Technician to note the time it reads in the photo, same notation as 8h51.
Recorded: 7h07
